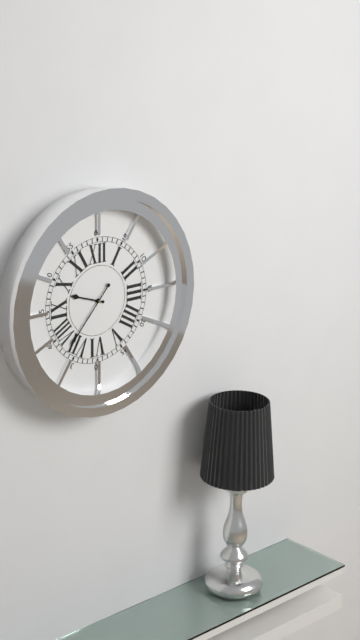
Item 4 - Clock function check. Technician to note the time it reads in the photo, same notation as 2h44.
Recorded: 9h37
